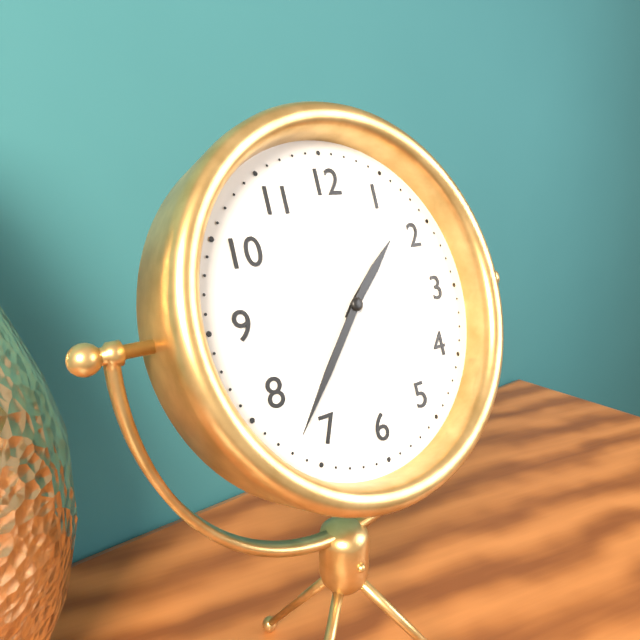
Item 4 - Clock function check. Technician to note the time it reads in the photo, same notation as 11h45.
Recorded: 1h37
